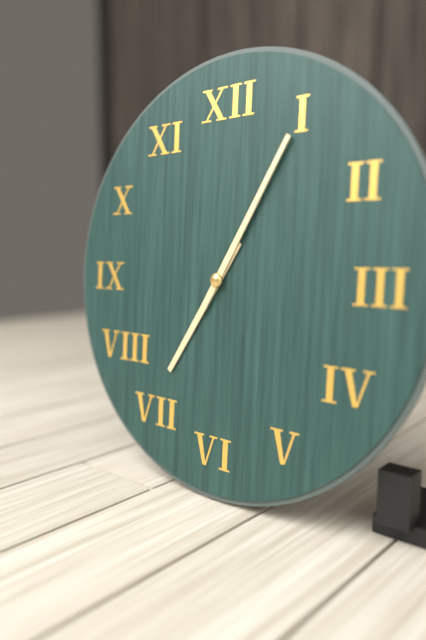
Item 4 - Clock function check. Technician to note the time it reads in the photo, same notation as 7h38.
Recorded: 7h05
